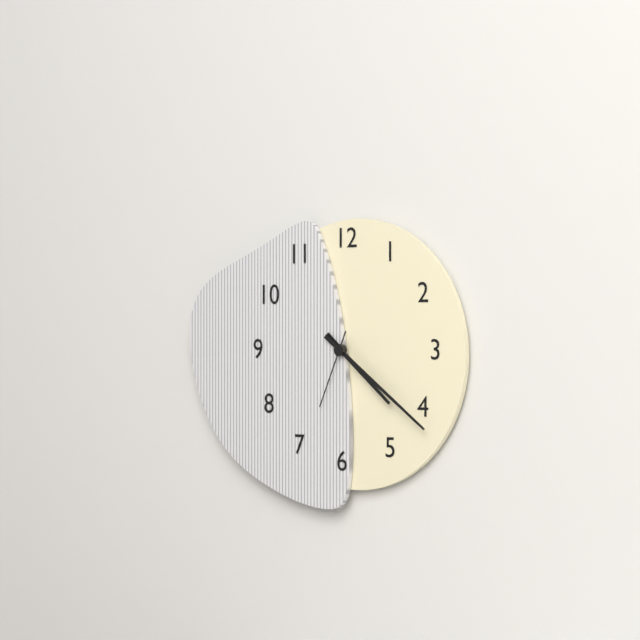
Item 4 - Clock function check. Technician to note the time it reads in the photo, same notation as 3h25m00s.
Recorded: 4h21m34s
